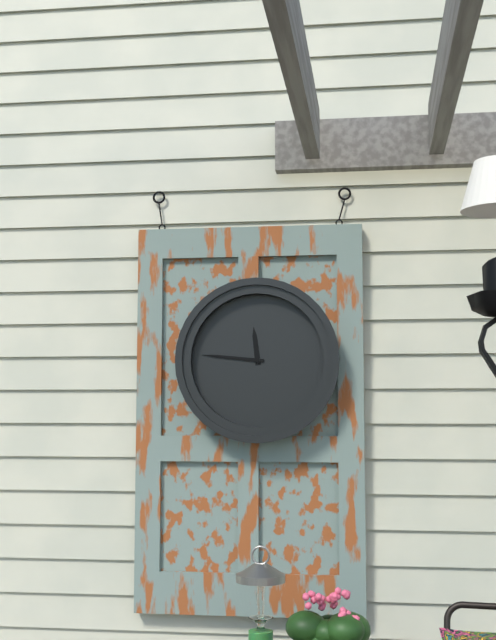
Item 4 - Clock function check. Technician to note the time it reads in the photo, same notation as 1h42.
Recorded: 11h46
